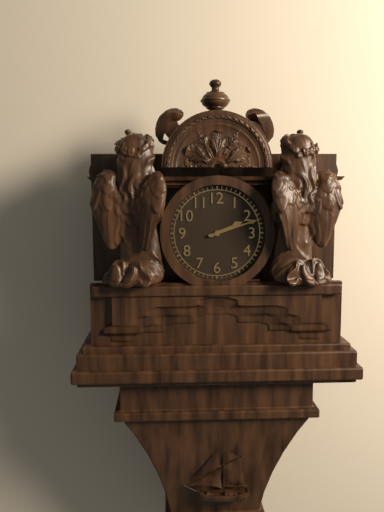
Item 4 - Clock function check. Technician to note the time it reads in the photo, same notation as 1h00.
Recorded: 2h12
